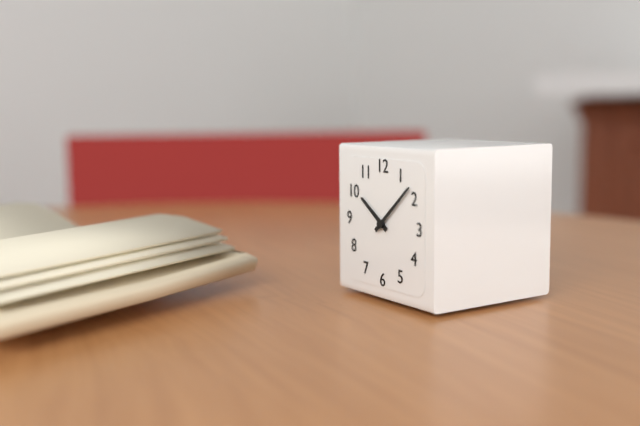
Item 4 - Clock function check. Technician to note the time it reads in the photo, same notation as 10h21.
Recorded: 10h08
